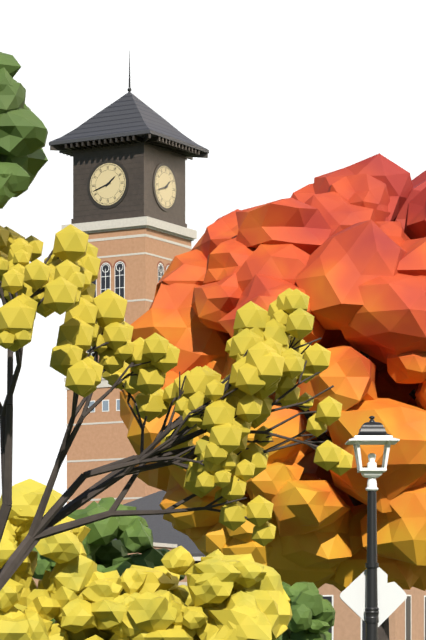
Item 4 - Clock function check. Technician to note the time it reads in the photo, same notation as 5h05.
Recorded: 1h42
